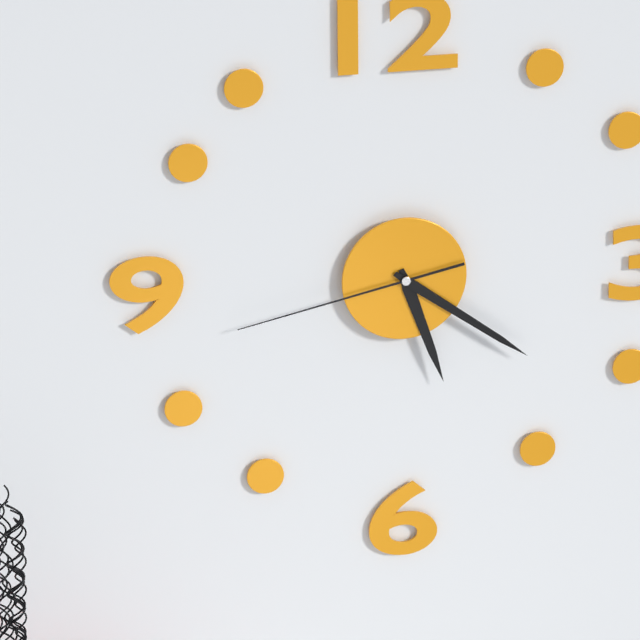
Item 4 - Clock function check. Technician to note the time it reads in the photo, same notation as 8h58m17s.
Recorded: 5h21m43s
